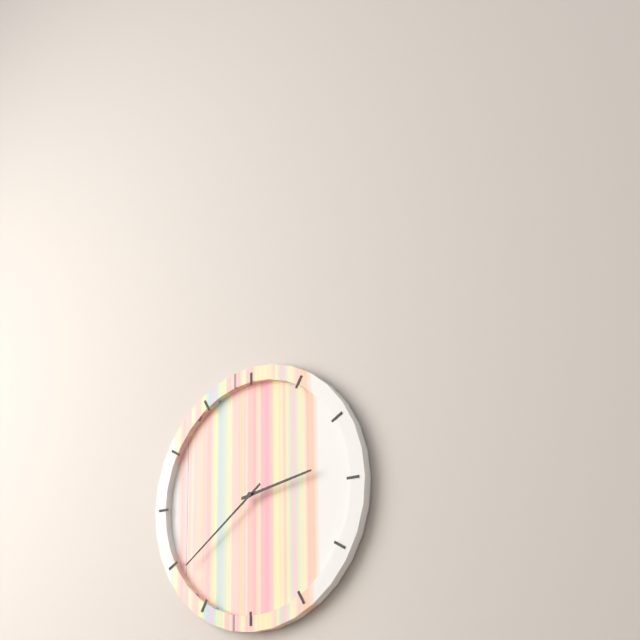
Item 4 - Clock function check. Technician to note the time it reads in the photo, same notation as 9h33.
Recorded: 2h39
